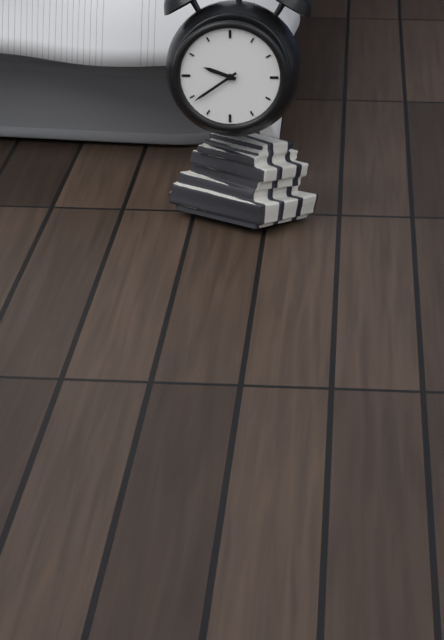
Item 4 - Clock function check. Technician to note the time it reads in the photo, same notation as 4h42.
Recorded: 9h39
